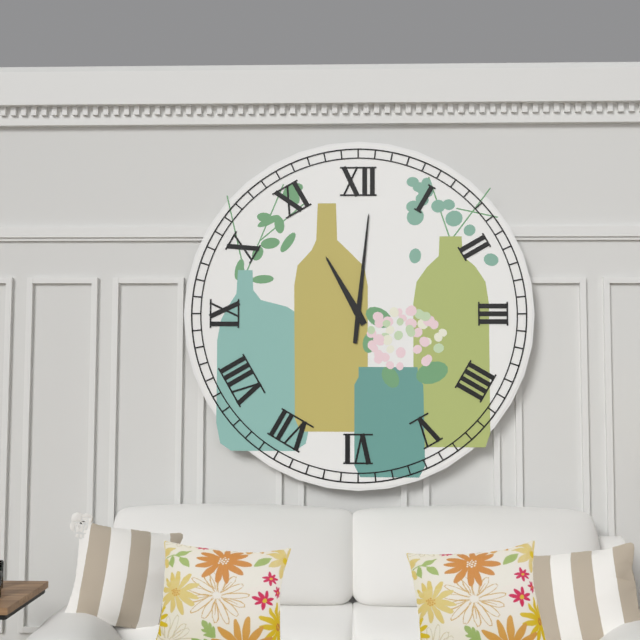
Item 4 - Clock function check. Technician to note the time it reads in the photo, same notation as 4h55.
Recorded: 11h01
